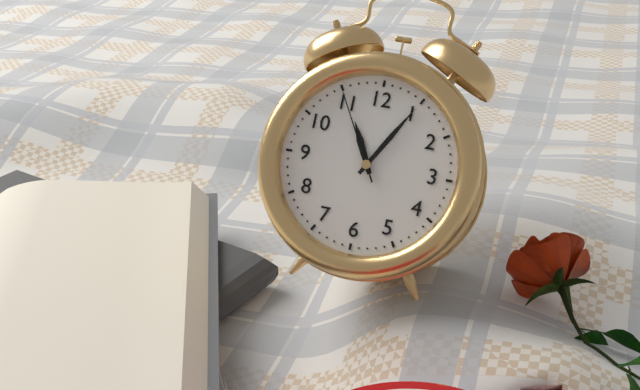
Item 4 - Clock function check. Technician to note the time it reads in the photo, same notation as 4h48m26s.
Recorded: 11h05m55s
